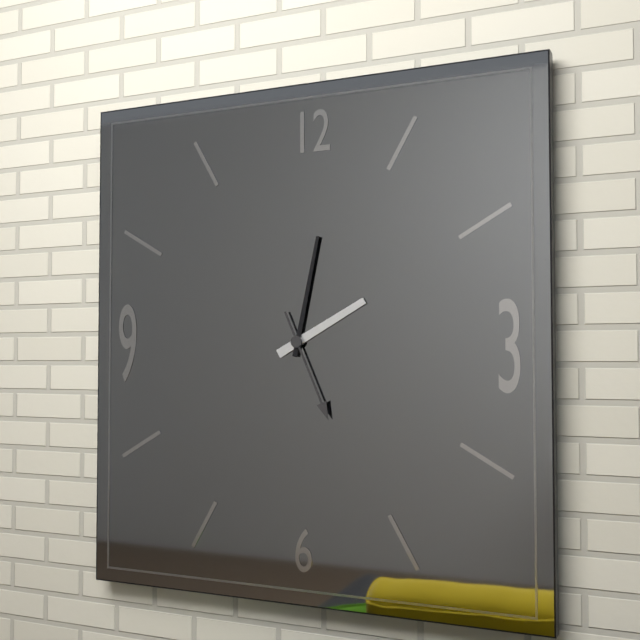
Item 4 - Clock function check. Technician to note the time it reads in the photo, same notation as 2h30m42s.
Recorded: 2h02m26s
